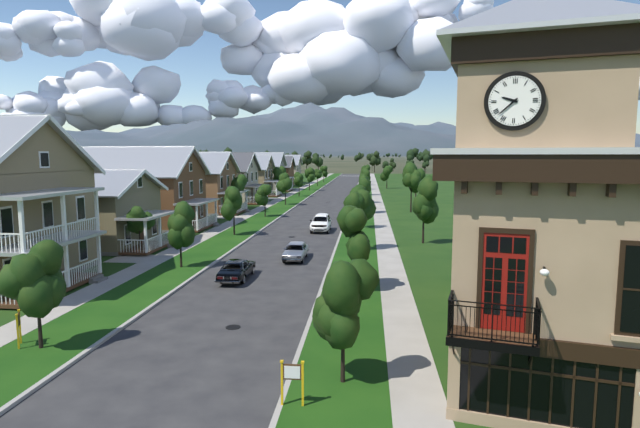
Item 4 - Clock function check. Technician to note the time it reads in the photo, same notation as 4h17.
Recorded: 9h38
